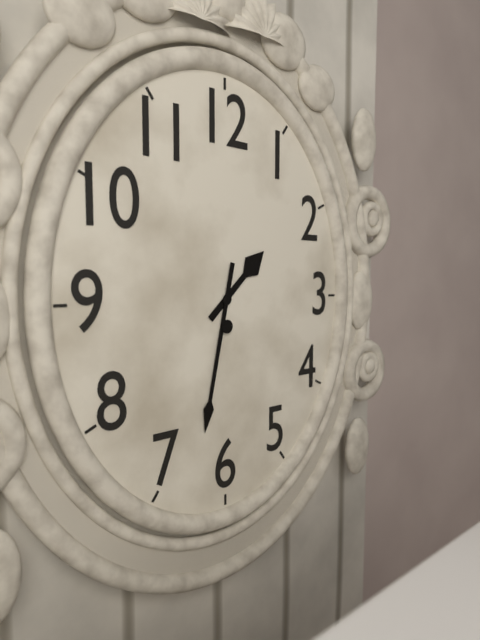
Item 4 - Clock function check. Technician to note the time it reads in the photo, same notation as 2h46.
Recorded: 1h32
